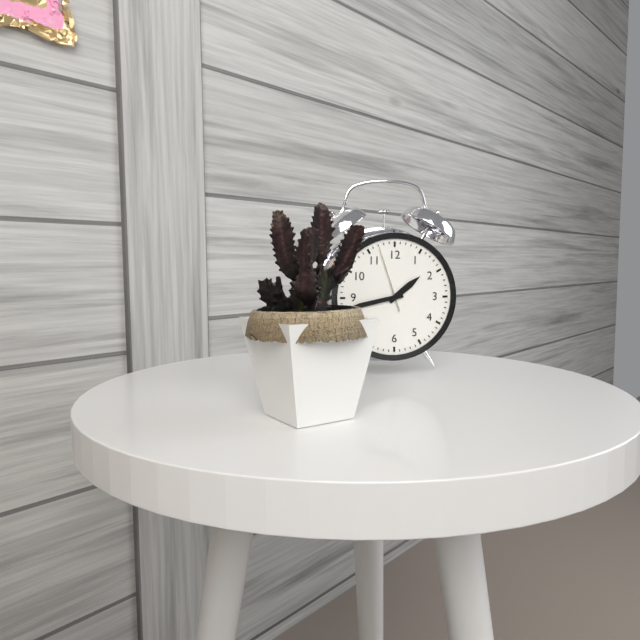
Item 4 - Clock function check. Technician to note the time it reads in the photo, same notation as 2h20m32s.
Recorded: 1h43m57s
